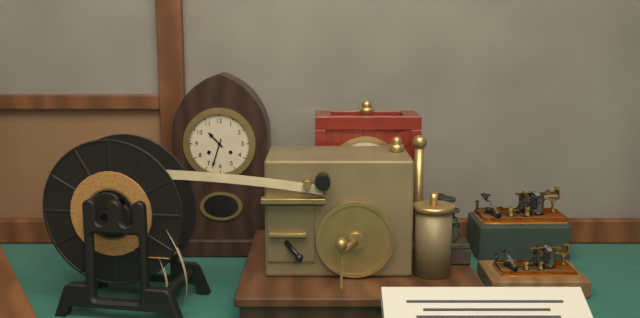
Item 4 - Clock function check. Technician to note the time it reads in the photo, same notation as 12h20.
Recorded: 10h33
